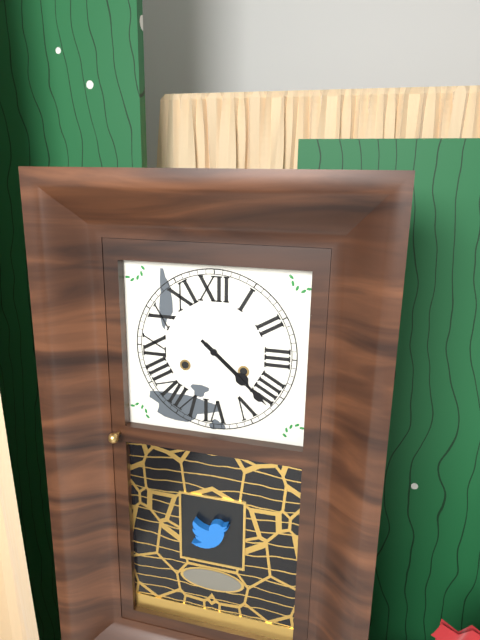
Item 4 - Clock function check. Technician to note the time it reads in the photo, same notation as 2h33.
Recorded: 4h22
